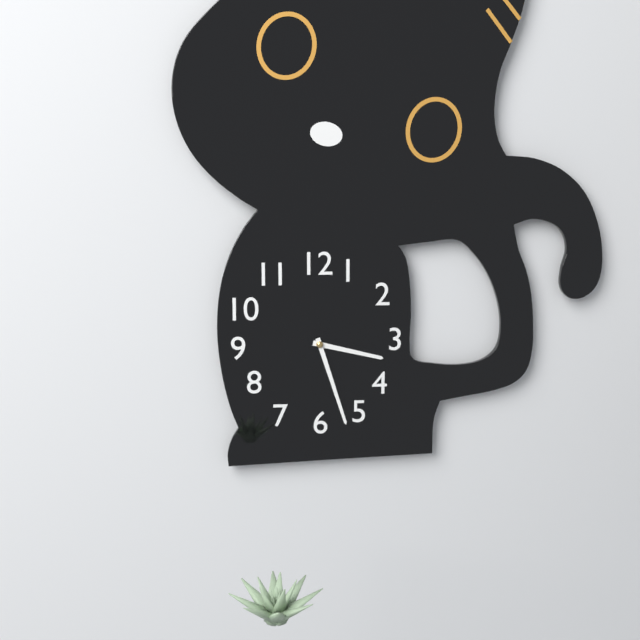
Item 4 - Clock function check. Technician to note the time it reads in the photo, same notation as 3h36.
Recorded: 3h27
